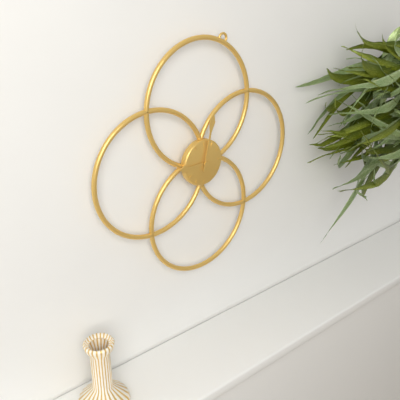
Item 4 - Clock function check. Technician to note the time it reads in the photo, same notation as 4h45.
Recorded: 9h02
